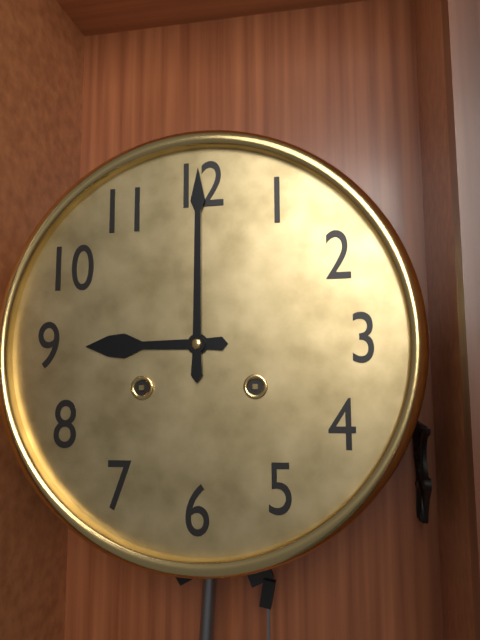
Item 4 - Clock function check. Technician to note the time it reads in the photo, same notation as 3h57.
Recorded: 9h00
